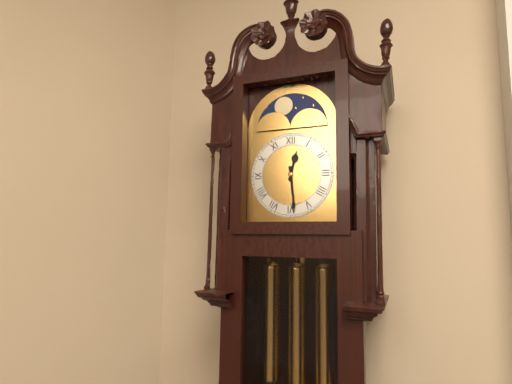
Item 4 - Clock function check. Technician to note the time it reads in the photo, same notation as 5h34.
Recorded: 12h29
